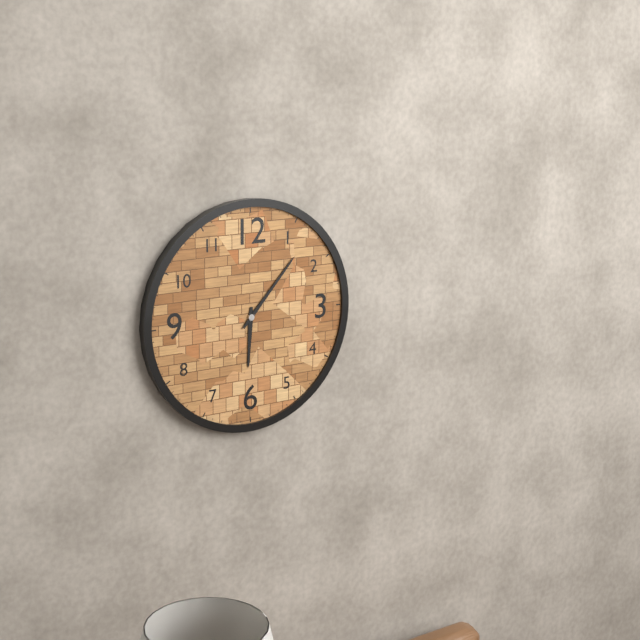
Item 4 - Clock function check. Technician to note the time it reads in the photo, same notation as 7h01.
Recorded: 6h07
